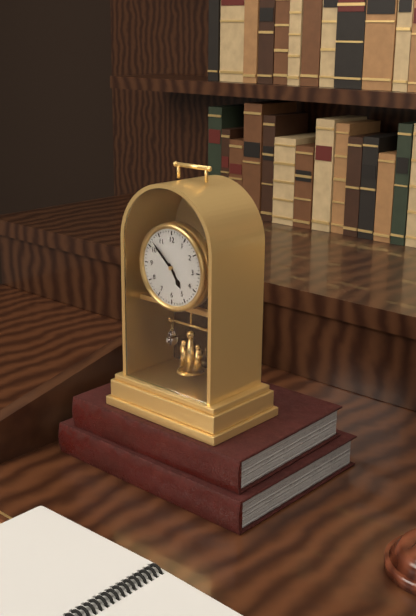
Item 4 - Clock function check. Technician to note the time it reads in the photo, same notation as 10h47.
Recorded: 4h52
